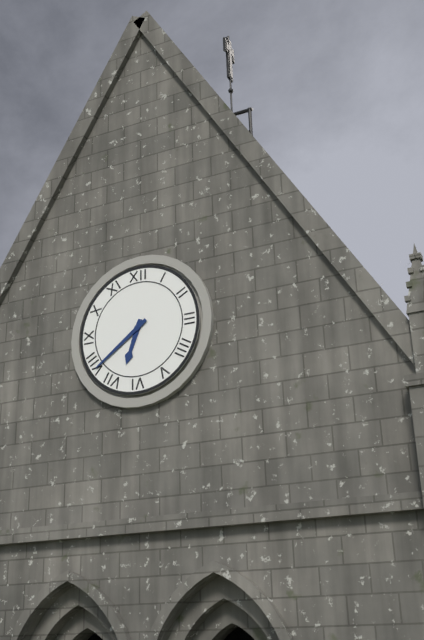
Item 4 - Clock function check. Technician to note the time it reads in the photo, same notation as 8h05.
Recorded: 6h39
